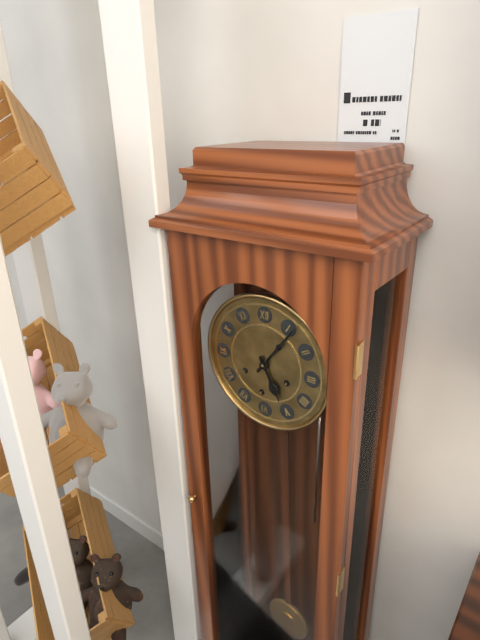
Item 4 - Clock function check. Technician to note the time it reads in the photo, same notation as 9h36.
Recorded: 5h06
